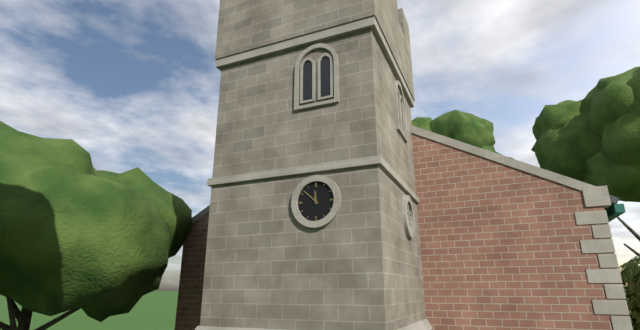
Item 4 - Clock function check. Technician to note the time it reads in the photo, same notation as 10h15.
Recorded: 11h52
